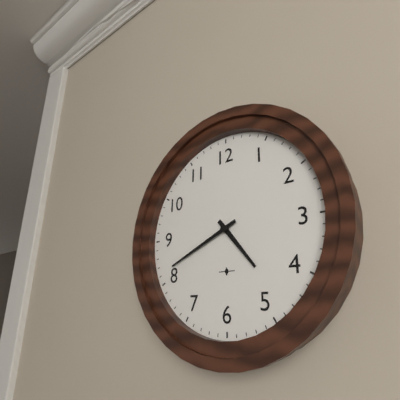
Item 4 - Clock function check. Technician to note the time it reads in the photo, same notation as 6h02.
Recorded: 4h41
